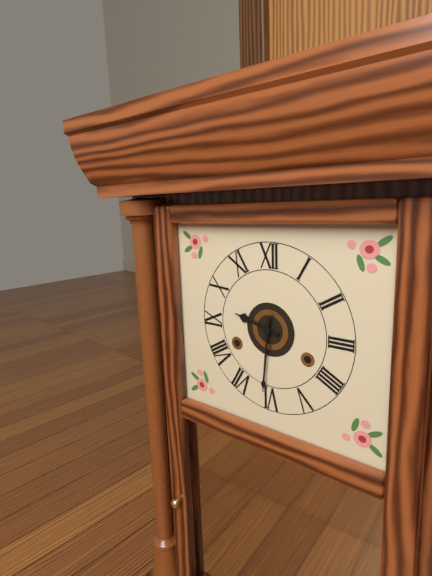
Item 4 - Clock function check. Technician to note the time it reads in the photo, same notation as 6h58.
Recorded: 9h31
